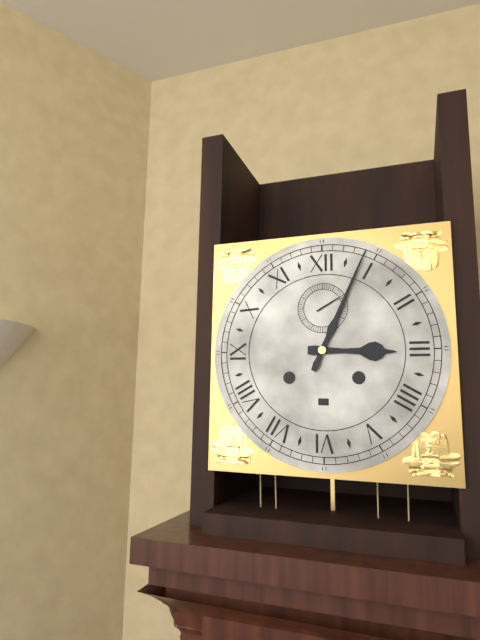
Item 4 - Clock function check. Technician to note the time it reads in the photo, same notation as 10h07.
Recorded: 3h04
